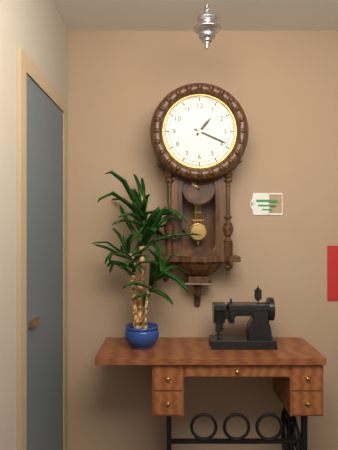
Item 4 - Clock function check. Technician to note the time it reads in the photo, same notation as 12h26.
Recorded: 1h19
